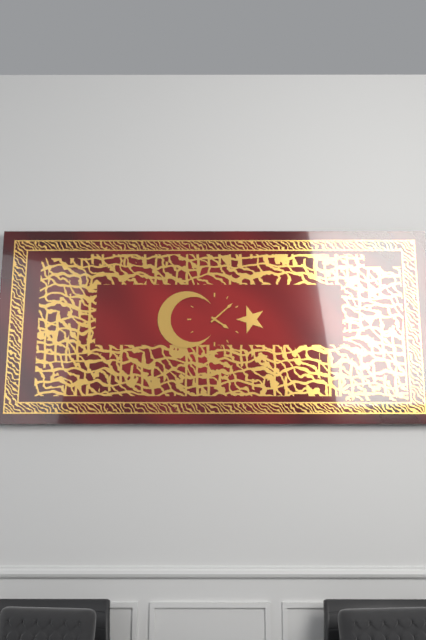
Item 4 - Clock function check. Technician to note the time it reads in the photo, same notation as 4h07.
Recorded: 4h08
